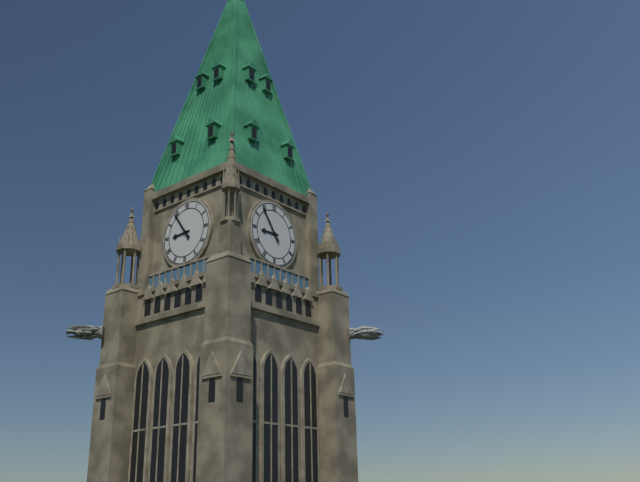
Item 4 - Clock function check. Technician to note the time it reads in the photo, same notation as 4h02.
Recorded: 8h54
